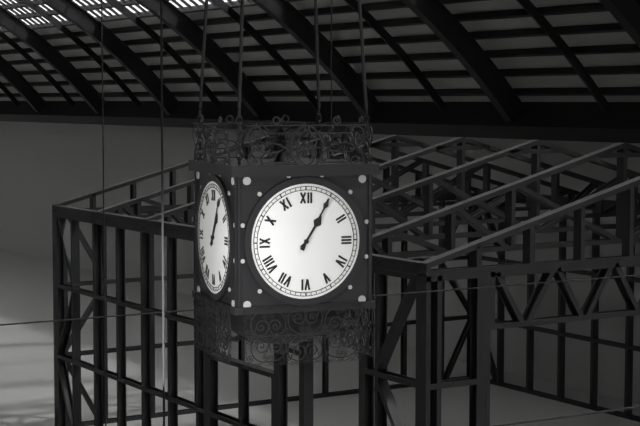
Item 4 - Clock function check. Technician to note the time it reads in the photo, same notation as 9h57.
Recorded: 1h05
